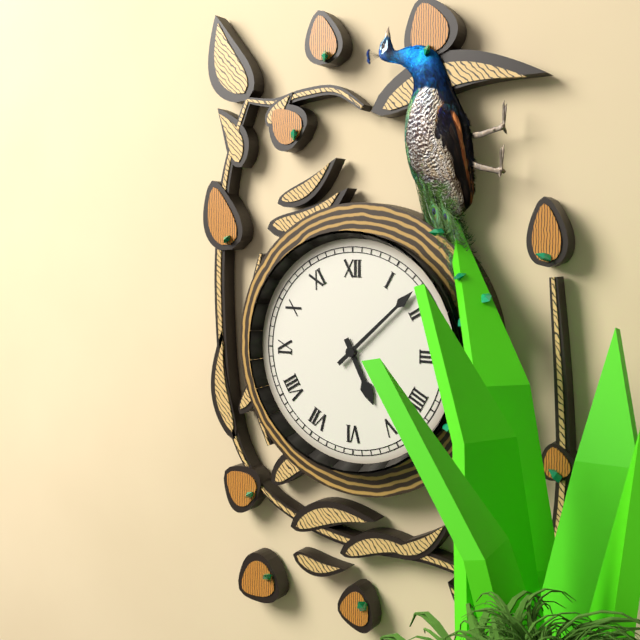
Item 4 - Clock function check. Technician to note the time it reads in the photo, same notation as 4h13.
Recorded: 5h08
